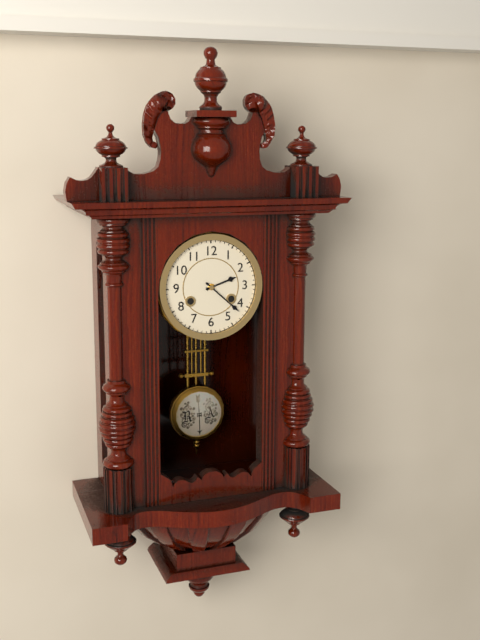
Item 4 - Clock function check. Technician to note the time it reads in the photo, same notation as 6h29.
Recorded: 2h22
